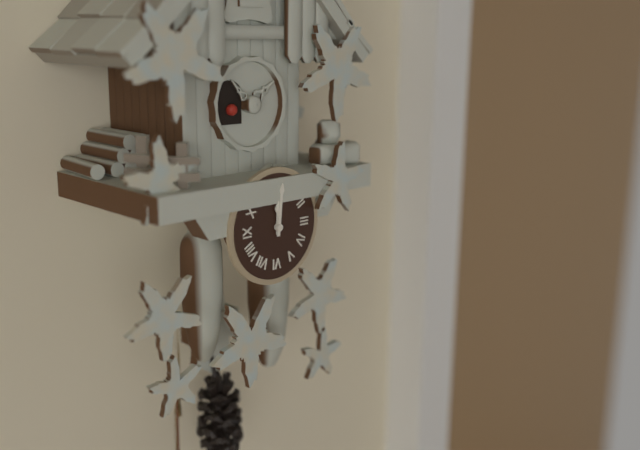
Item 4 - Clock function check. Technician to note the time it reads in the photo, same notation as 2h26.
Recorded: 12h01
